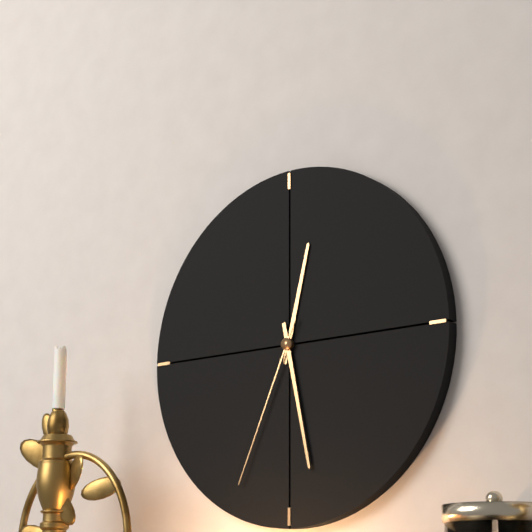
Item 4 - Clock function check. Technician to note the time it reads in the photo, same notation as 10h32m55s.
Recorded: 12h28m34s
